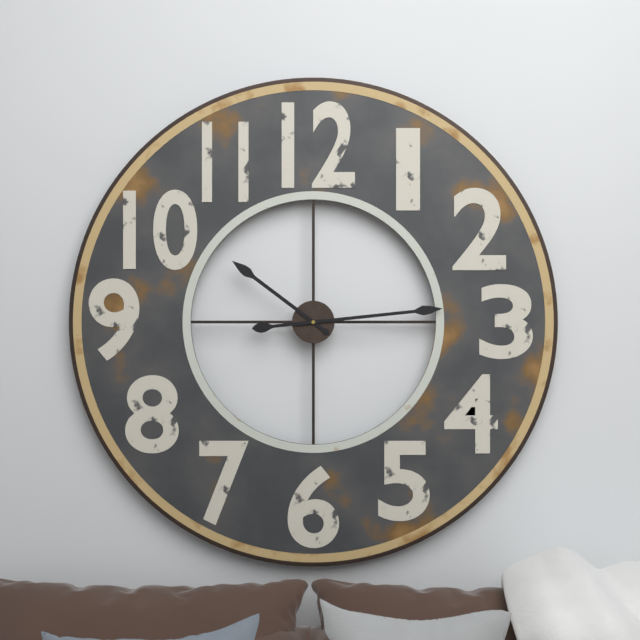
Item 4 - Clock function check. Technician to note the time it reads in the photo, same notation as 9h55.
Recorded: 10h14
